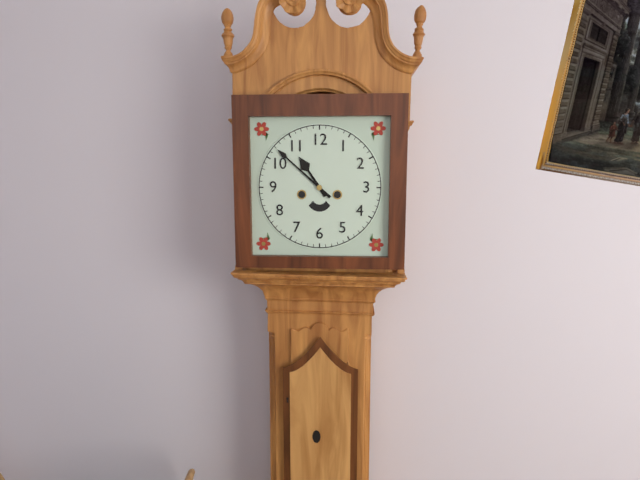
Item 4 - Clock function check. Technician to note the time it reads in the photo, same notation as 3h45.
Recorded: 10h52
